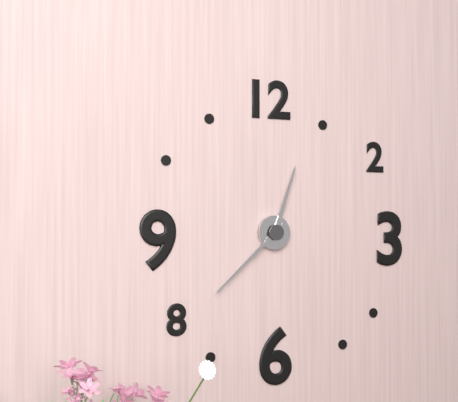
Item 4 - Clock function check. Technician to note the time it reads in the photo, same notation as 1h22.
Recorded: 12h38
